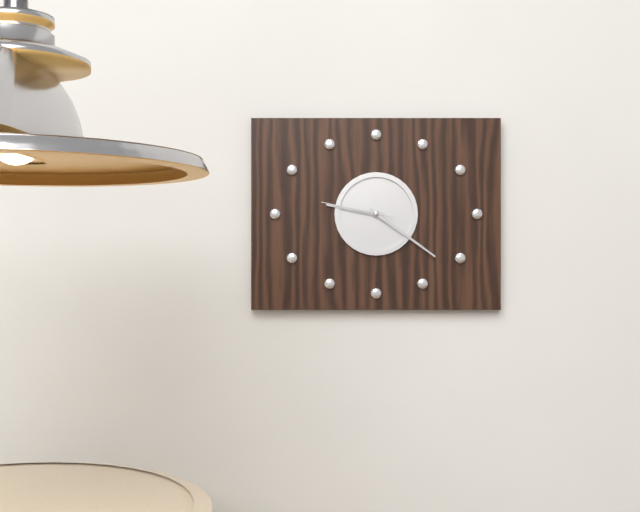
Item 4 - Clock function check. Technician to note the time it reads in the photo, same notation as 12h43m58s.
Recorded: 9h21m47s
